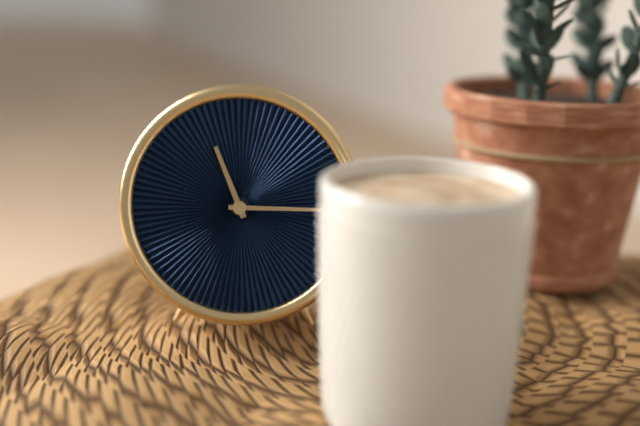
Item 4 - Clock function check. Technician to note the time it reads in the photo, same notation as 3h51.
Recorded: 11h15
